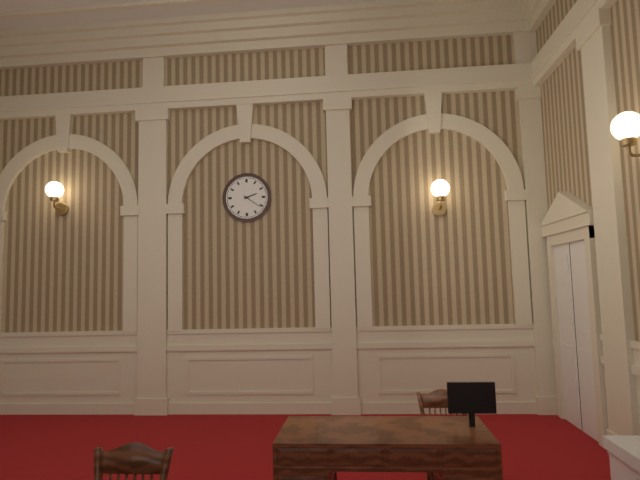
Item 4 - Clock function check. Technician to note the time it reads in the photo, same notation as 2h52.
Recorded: 2h21
